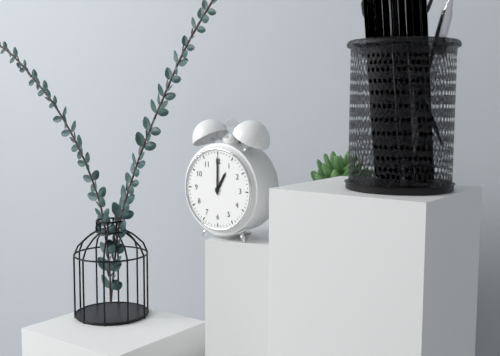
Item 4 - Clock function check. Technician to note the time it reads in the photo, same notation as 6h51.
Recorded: 1h00
